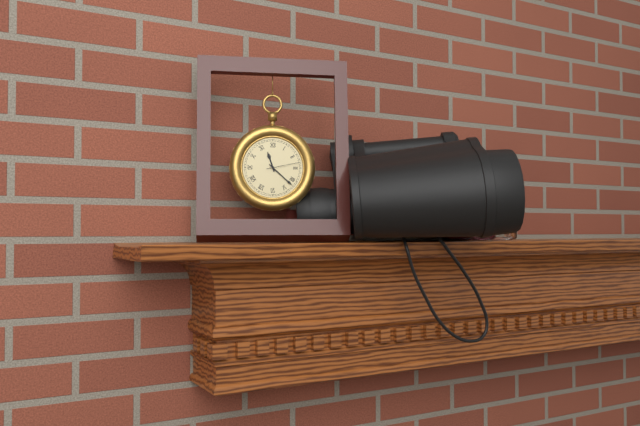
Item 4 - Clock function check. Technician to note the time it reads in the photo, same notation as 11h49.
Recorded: 11h22
